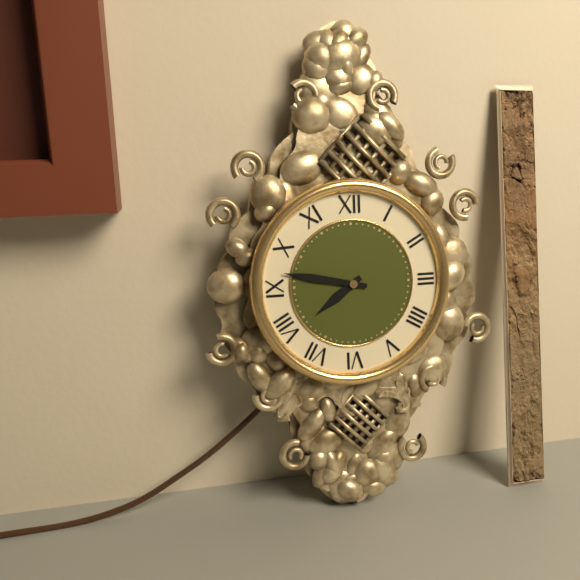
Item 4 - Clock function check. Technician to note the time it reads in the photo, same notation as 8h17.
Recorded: 7h47
